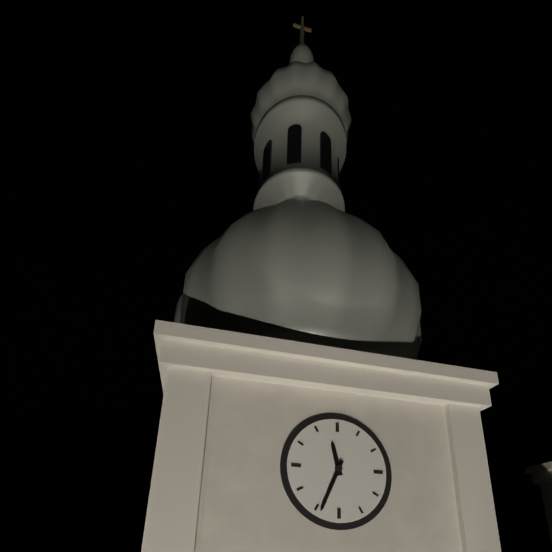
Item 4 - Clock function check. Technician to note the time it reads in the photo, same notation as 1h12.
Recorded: 11h34
